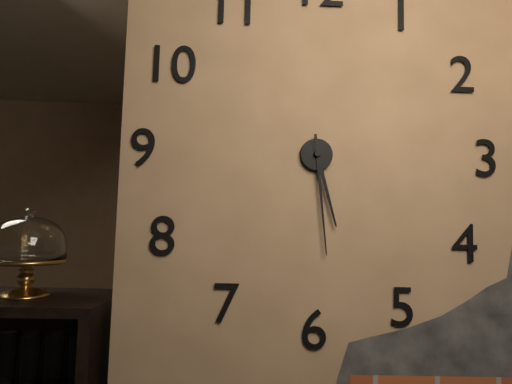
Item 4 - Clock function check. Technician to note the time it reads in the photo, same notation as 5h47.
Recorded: 5h29
